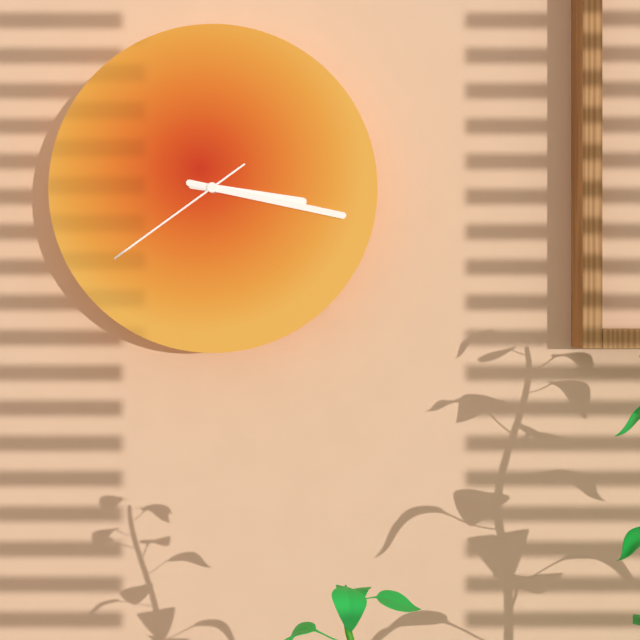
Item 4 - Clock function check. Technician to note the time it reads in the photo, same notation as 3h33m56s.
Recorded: 3h17m39s
